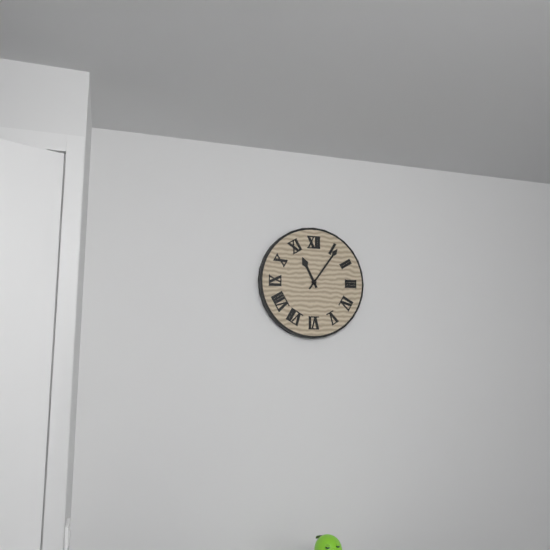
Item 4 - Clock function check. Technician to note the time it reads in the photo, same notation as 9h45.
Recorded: 11h06
